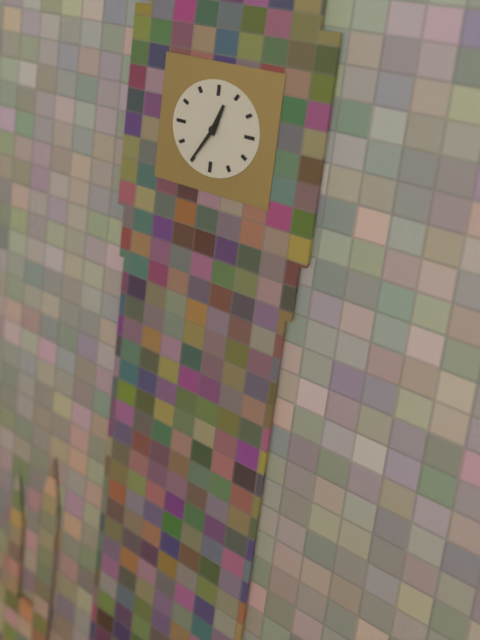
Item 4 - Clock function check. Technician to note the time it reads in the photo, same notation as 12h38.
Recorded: 12h35
